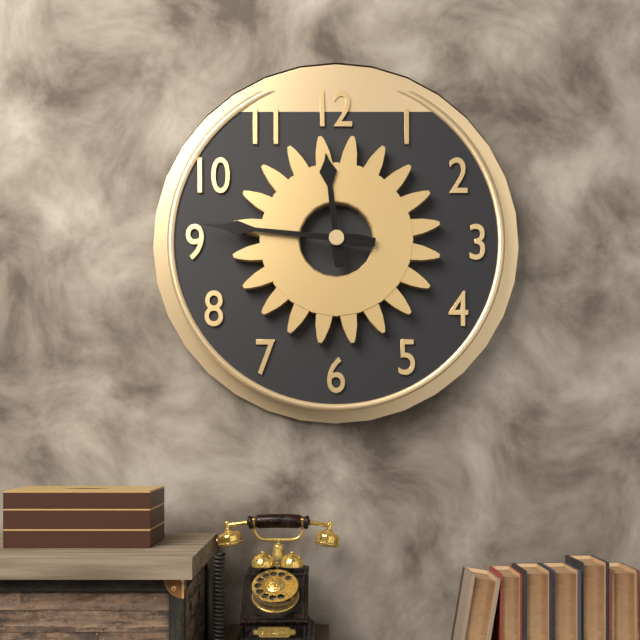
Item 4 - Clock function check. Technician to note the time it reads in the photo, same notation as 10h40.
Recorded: 11h46
